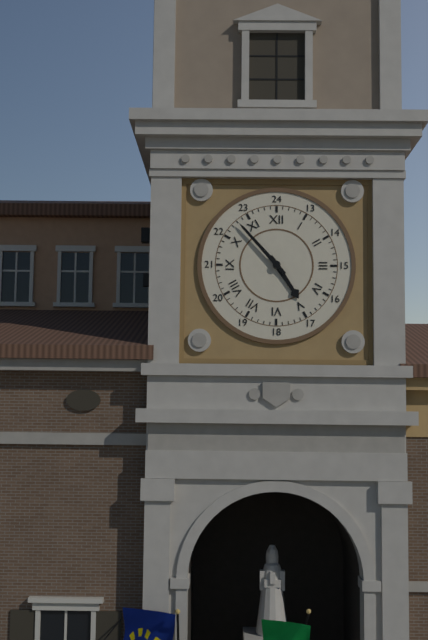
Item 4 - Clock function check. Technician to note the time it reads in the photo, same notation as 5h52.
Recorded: 4h53
